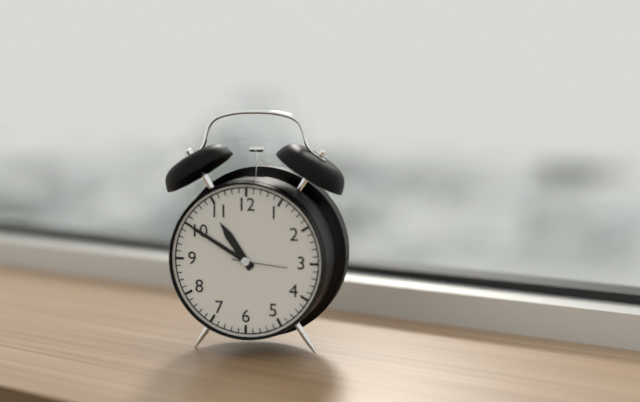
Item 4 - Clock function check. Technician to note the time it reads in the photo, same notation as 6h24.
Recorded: 10h50
